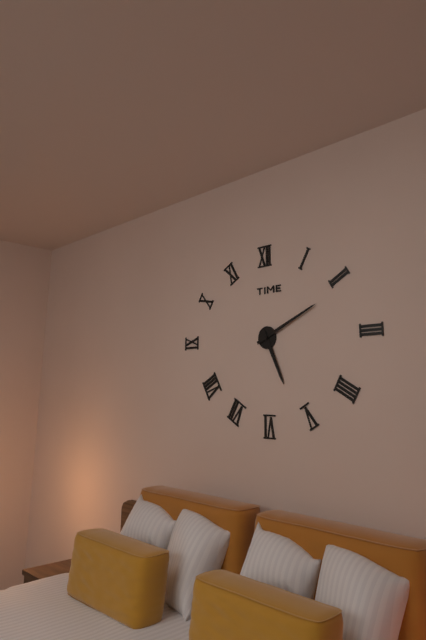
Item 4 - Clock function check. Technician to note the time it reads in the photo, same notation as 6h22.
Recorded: 5h11
